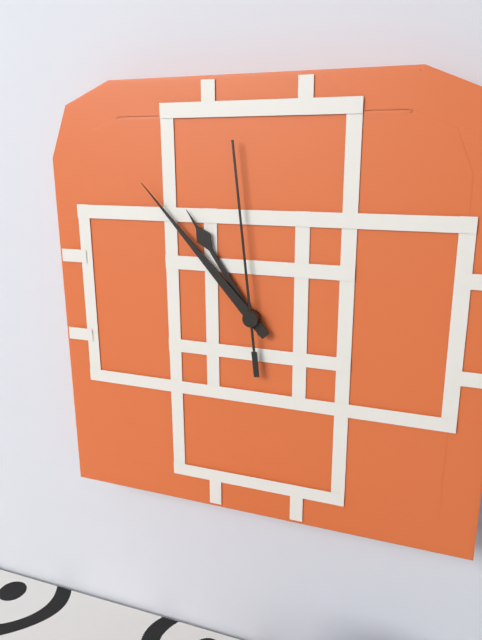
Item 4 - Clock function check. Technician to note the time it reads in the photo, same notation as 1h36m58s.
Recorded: 10h53m59s
